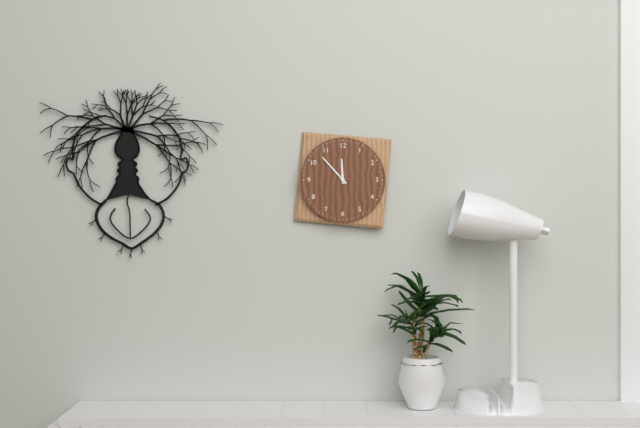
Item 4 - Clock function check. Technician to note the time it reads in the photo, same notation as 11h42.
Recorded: 11h53
